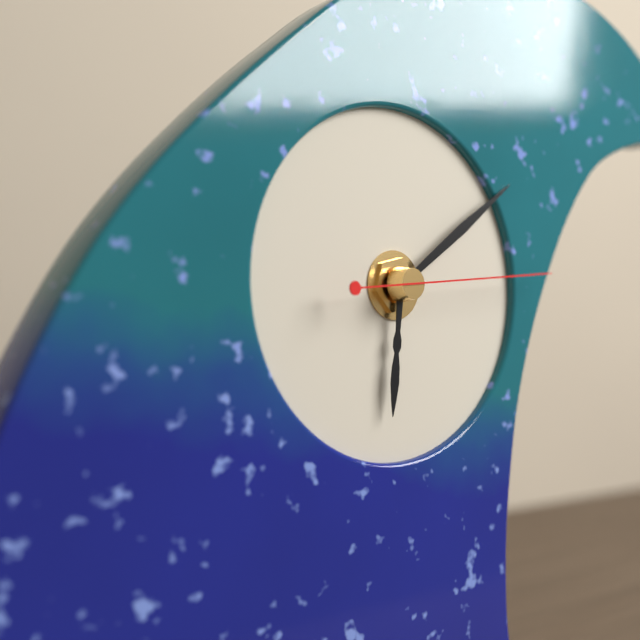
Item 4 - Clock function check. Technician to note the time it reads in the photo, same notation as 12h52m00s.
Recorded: 6h09m14s
